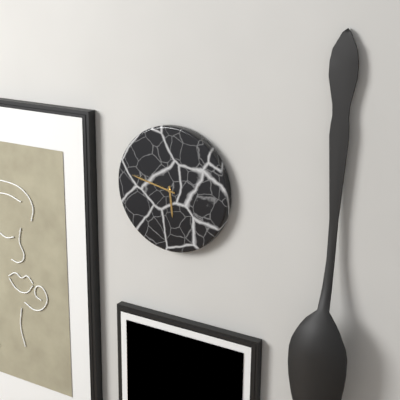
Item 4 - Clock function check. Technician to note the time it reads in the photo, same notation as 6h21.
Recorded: 5h47
